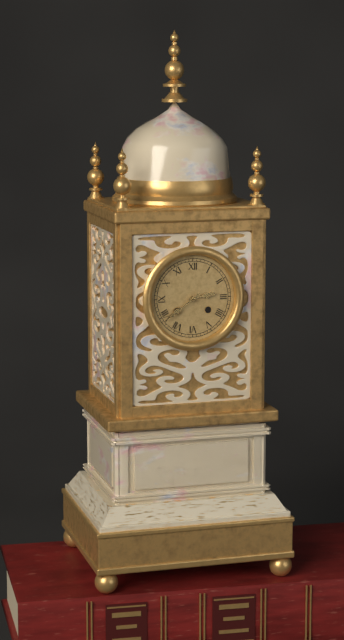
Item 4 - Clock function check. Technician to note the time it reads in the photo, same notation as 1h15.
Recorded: 2h39
